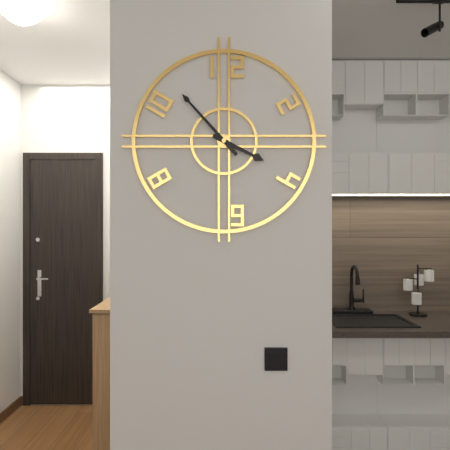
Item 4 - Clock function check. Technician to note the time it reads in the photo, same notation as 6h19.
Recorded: 3h53
